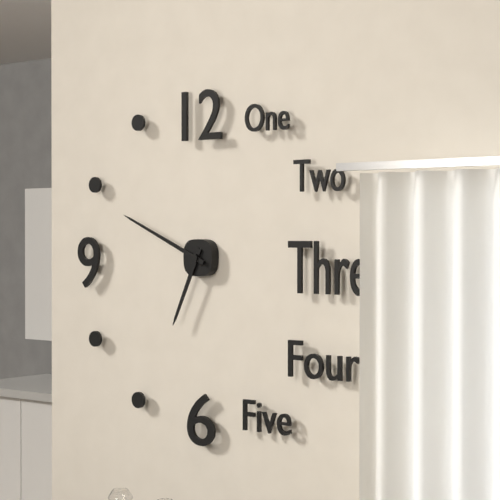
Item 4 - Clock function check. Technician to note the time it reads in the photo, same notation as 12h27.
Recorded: 6h49
